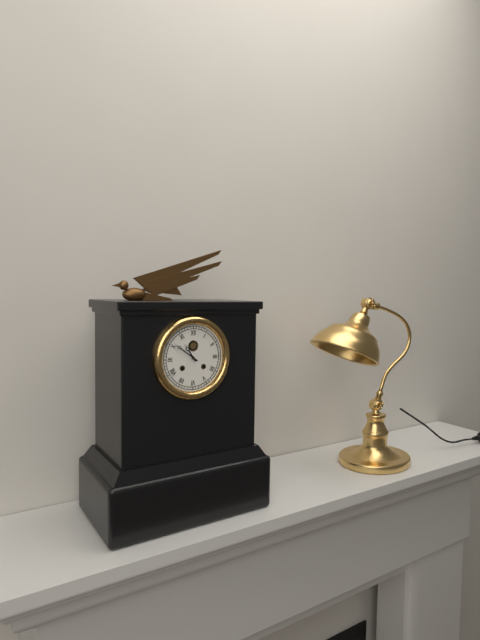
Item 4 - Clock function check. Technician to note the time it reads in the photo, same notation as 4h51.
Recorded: 10h51
